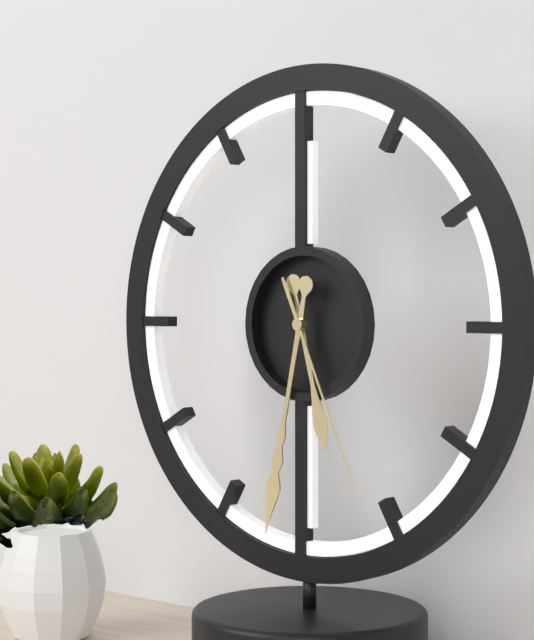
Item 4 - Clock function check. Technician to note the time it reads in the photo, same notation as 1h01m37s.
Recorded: 5h32m26s
